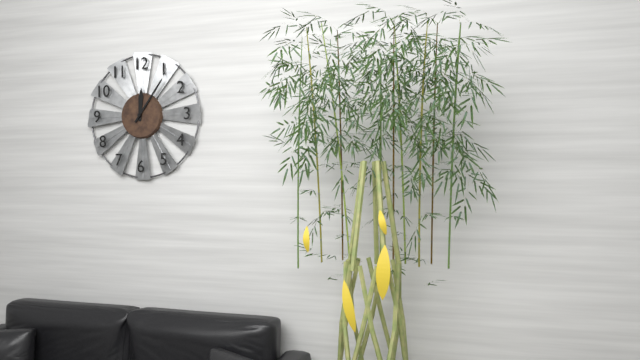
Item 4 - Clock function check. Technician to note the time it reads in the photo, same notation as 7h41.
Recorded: 12h06
